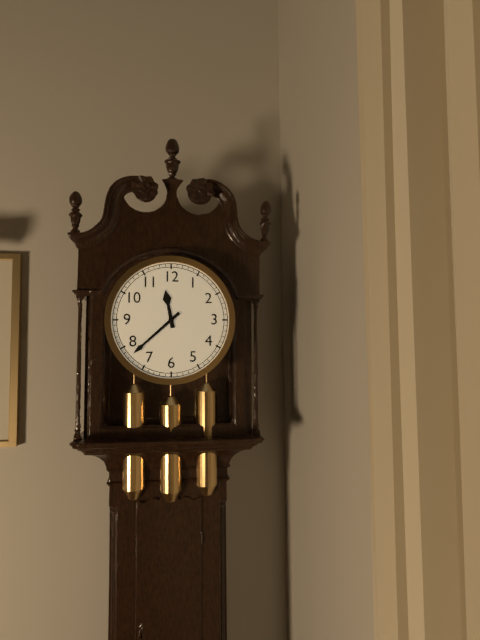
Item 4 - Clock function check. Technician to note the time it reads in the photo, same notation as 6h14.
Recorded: 11h38
